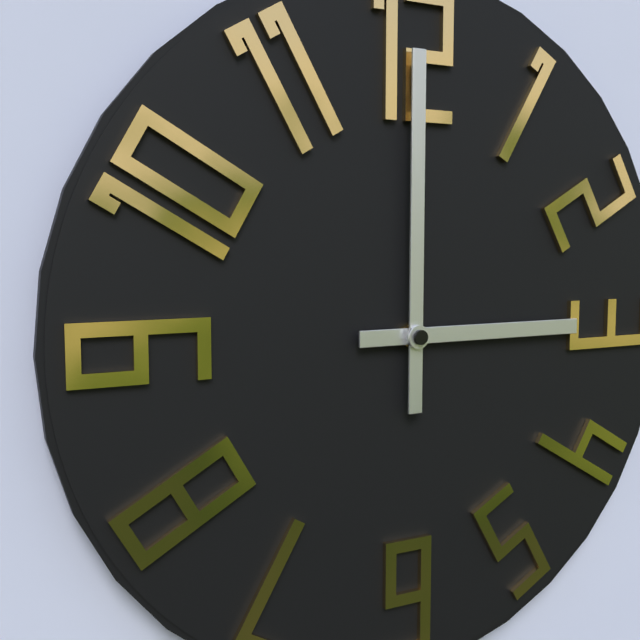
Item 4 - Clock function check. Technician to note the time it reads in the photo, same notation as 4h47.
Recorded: 3h00
